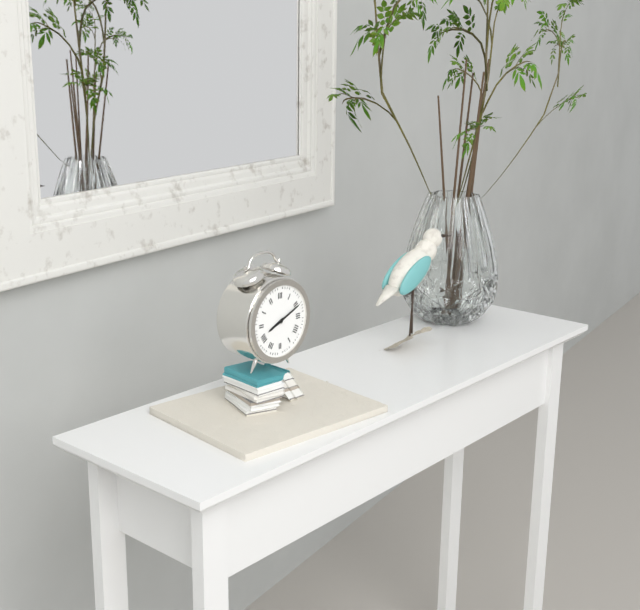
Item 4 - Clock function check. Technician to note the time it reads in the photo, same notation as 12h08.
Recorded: 8h11
